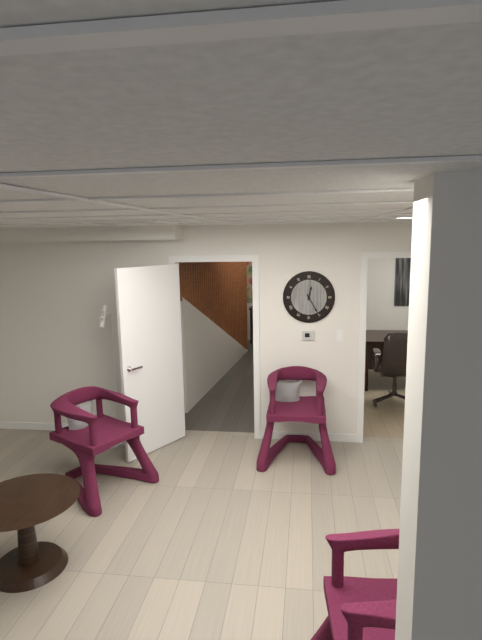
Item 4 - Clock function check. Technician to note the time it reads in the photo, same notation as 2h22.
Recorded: 12h25
